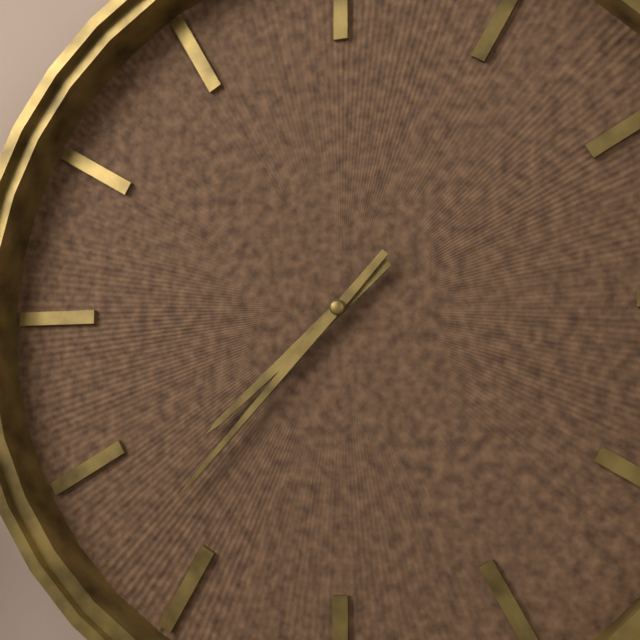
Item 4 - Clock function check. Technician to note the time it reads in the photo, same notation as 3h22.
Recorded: 7h37
